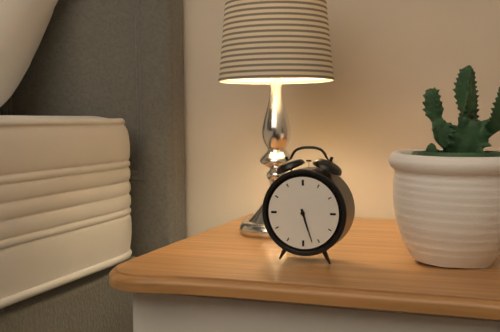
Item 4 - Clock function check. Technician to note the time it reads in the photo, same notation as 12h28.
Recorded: 5h27
